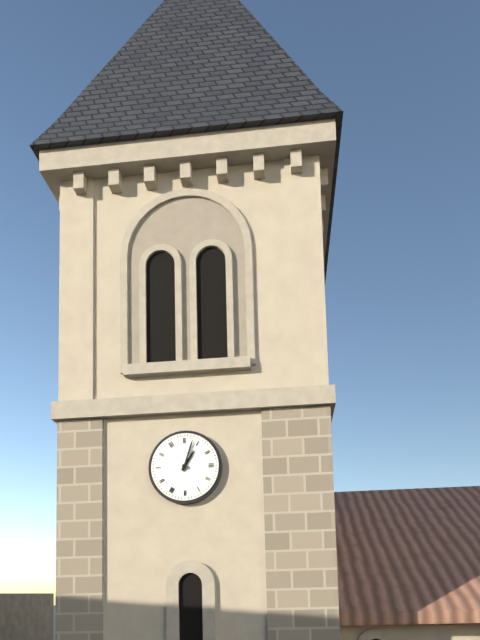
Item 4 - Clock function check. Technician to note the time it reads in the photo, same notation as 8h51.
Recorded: 1h03
